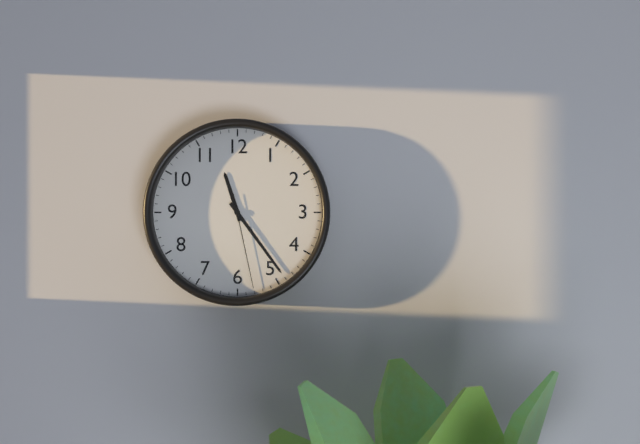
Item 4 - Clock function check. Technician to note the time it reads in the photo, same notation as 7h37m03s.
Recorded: 11h24m28s
